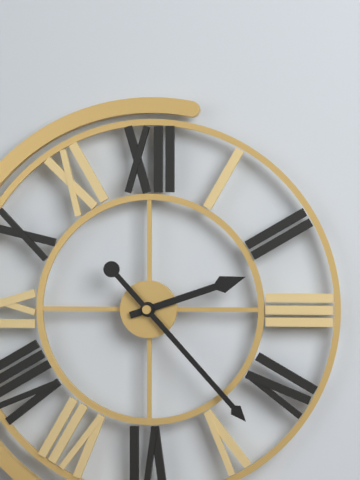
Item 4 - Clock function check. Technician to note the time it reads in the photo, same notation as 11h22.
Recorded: 2h23
